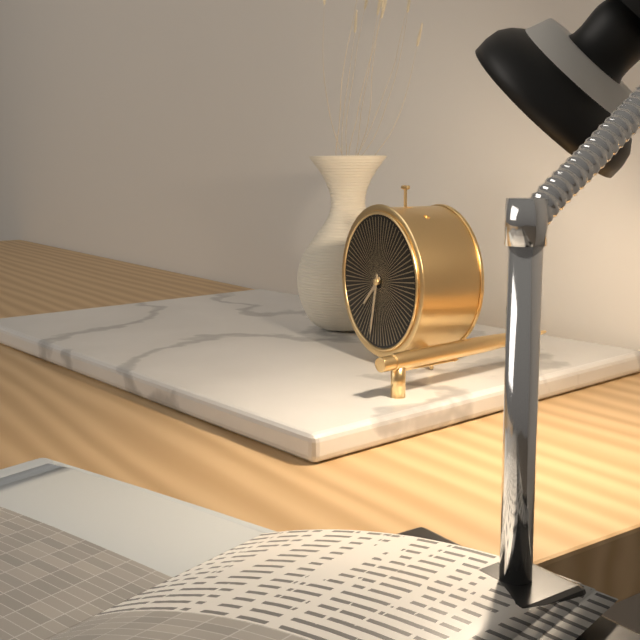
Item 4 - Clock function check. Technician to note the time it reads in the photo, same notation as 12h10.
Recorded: 7h32
